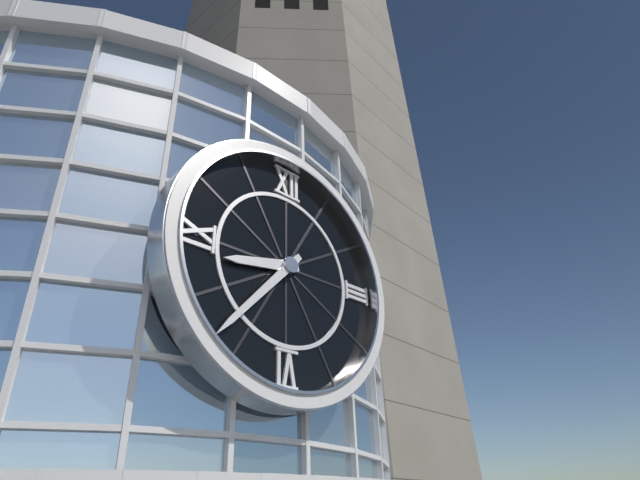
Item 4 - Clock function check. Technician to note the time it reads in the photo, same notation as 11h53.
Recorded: 8h37
